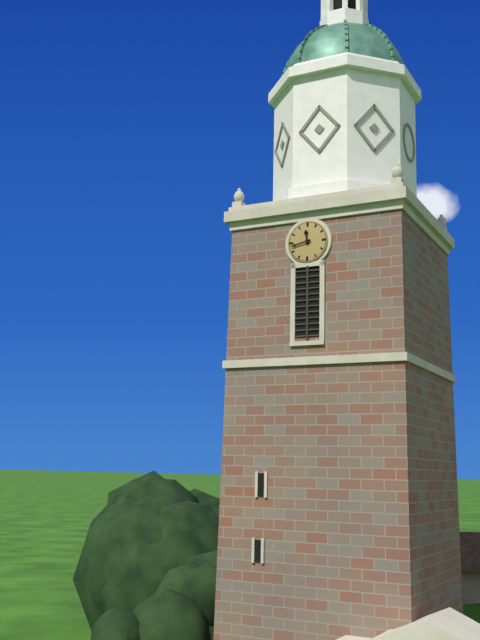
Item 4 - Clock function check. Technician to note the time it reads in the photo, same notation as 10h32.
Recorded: 11h43
